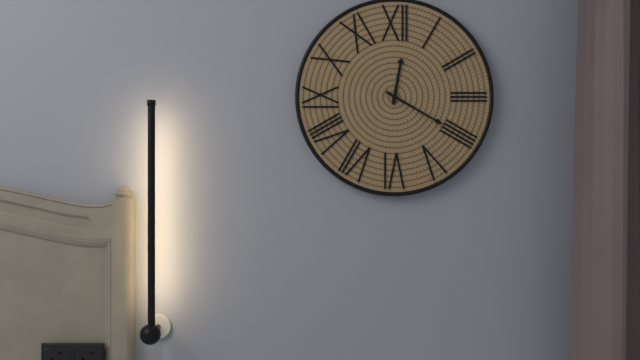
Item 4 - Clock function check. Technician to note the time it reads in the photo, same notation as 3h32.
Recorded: 12h20
